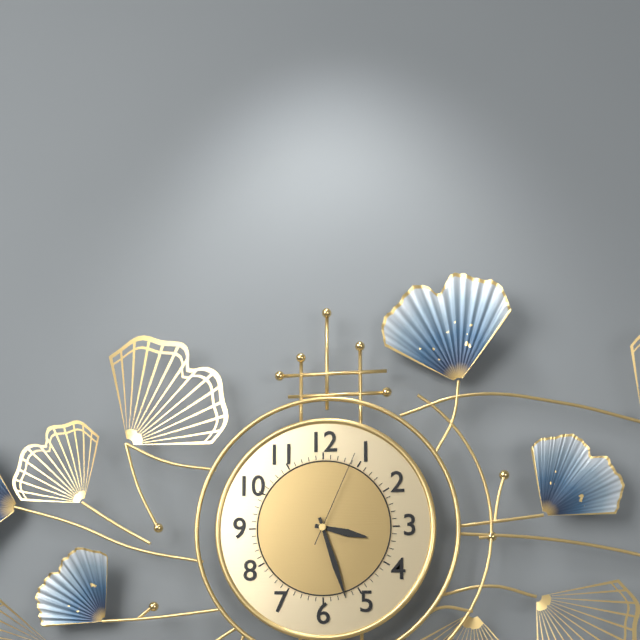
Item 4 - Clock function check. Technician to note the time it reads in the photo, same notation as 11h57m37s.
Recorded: 3h27m04s
